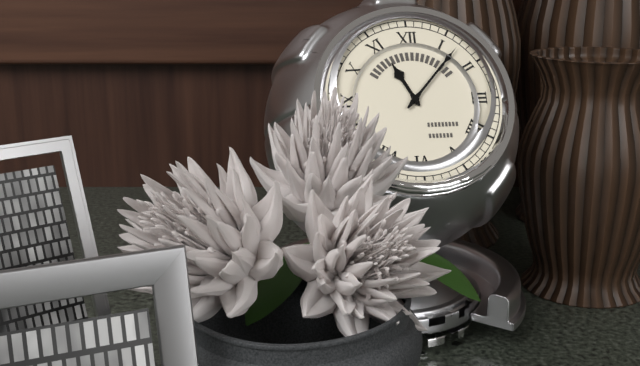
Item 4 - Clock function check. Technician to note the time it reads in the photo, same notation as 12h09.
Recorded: 11h07
